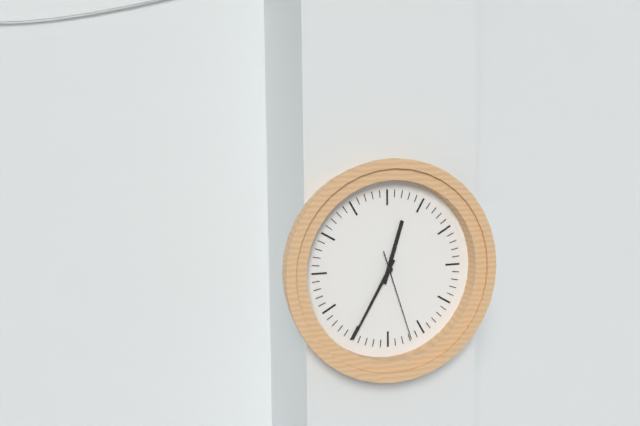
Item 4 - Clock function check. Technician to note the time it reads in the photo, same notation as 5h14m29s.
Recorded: 12h35m27s
